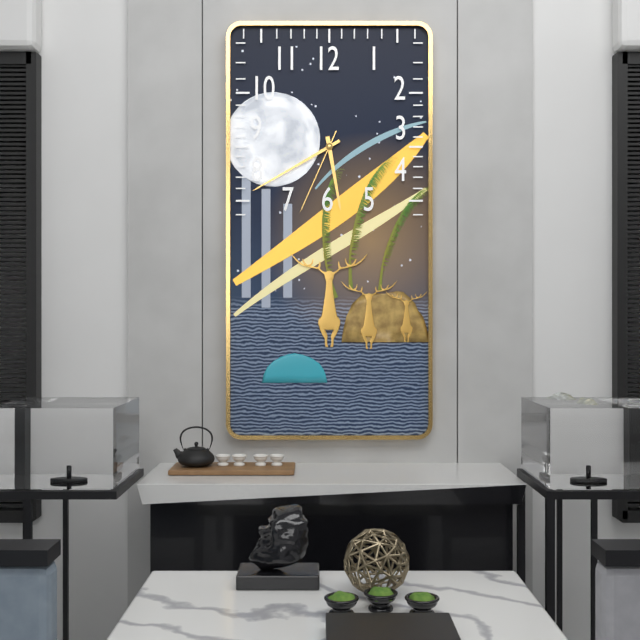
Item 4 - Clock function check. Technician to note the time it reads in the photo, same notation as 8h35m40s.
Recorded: 5h40m34s
